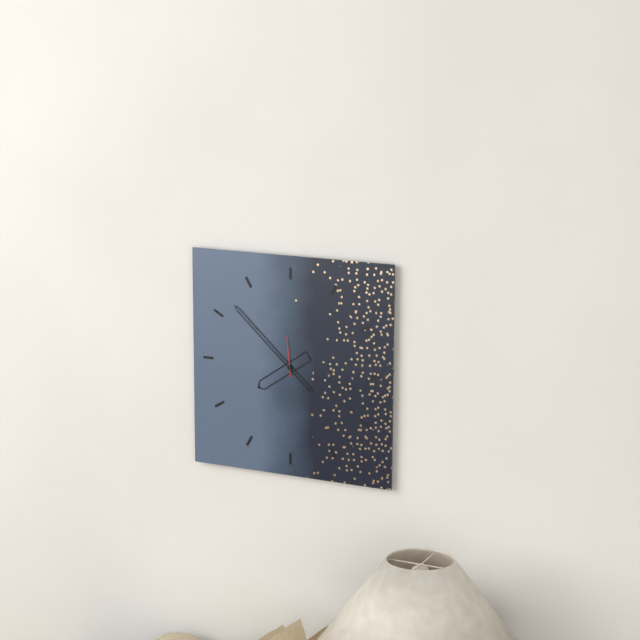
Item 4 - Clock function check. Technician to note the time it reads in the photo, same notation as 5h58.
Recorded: 7h52
